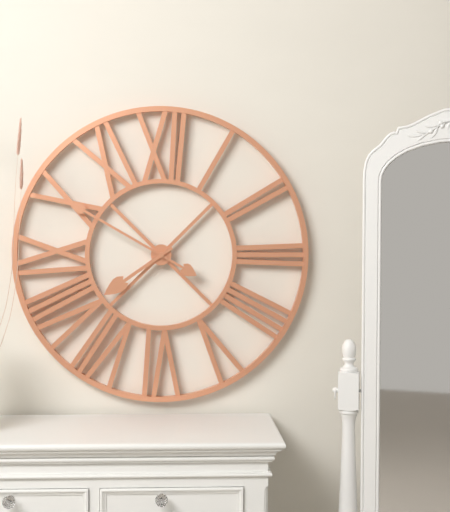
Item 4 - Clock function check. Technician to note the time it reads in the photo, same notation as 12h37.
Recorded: 7h50
